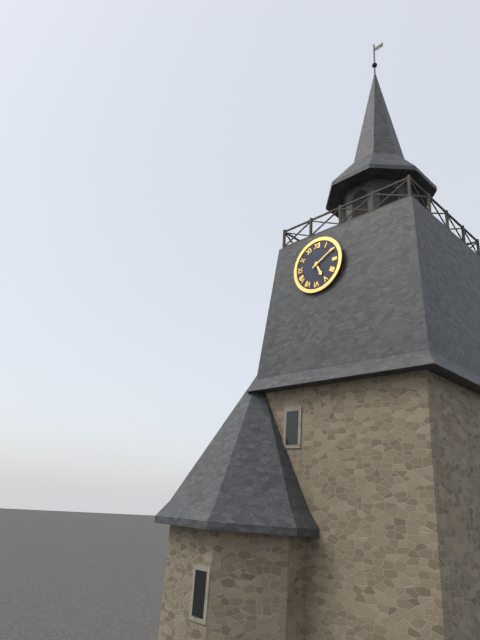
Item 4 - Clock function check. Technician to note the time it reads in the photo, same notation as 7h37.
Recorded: 5h10
